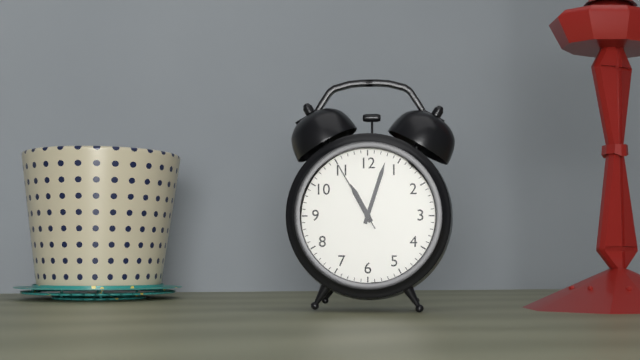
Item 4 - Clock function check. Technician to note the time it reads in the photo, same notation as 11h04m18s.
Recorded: 11h03m55s
